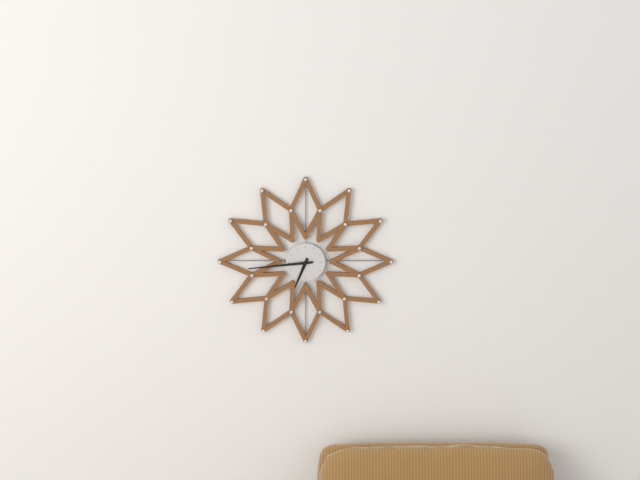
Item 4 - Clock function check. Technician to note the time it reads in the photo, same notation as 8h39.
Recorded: 6h44
